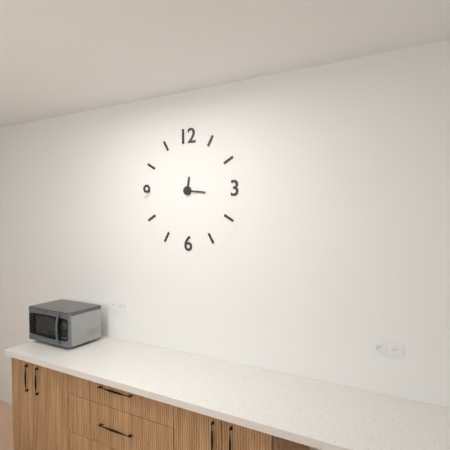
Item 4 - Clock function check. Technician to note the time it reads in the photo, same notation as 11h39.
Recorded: 12h16
